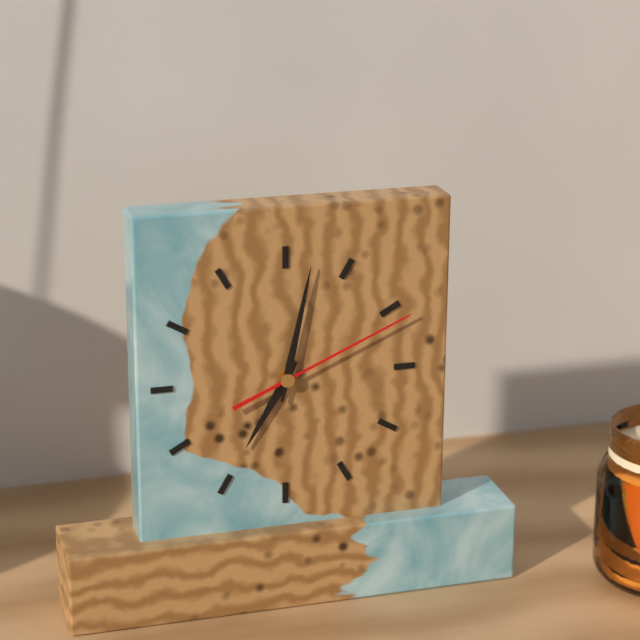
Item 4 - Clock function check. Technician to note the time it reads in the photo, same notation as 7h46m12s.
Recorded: 7h02m11s
